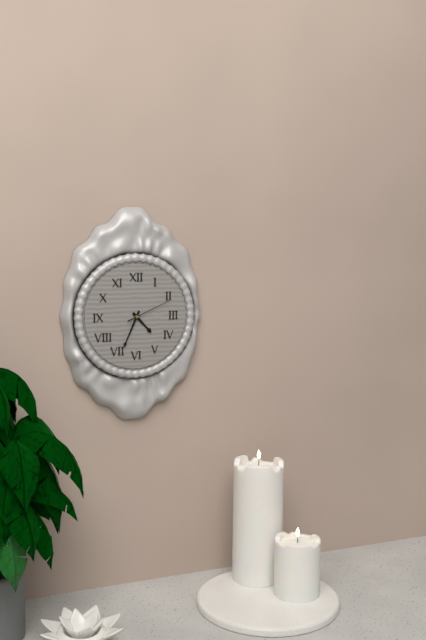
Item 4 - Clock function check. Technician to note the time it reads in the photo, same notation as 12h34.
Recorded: 4h34
